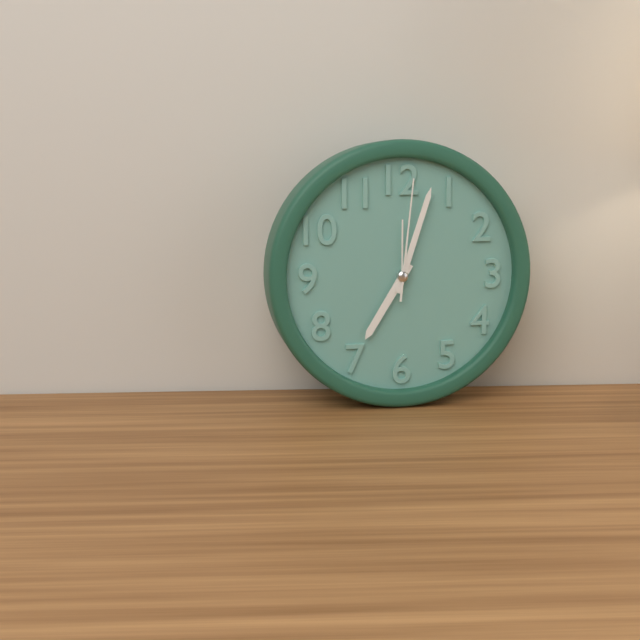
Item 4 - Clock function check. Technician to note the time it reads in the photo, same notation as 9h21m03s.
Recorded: 7h03m01s
